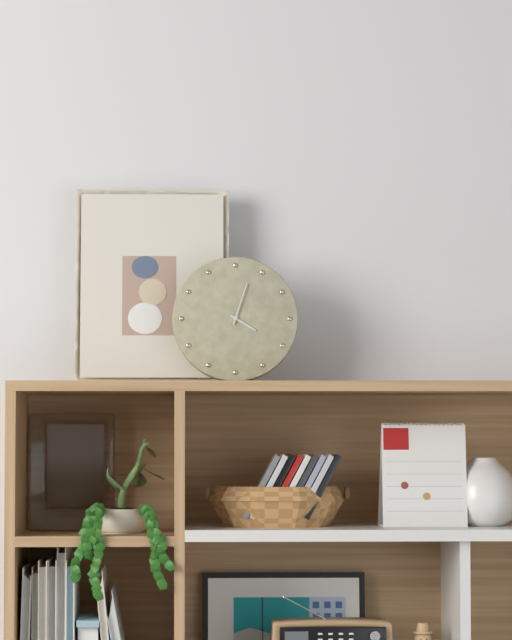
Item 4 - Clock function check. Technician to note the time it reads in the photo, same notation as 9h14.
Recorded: 4h03
